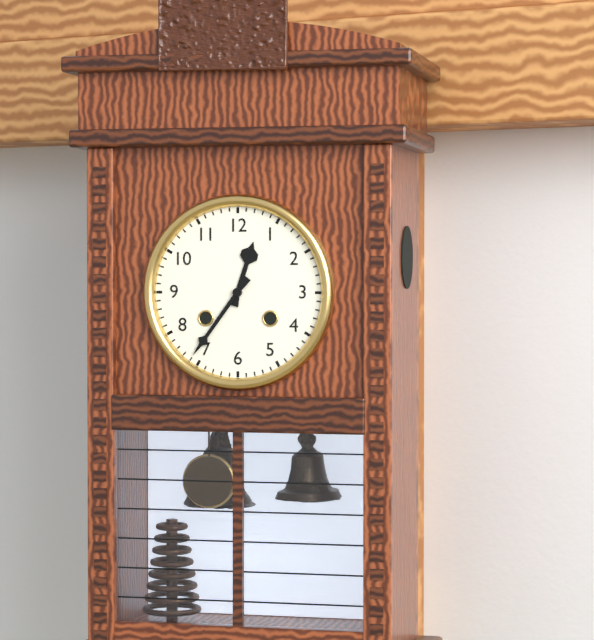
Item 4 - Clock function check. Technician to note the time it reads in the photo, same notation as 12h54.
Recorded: 12h36
